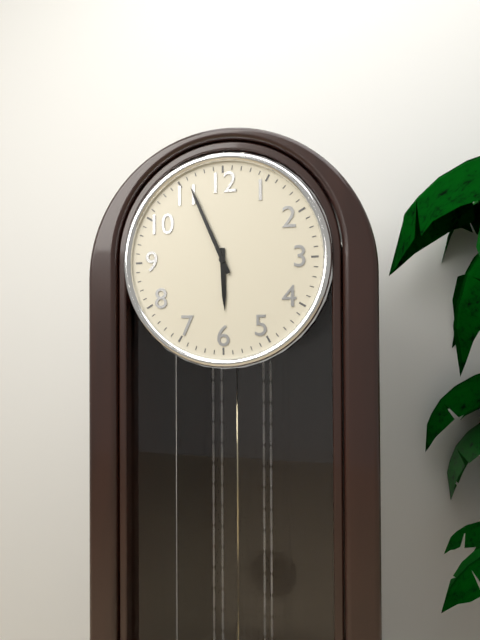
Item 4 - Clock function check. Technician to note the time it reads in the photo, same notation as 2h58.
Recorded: 5h56
